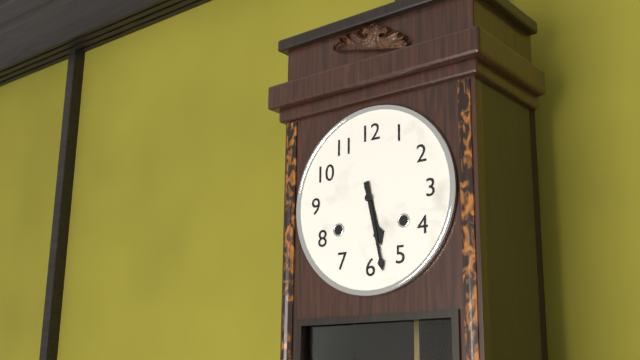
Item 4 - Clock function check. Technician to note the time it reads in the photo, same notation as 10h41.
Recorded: 5h28
